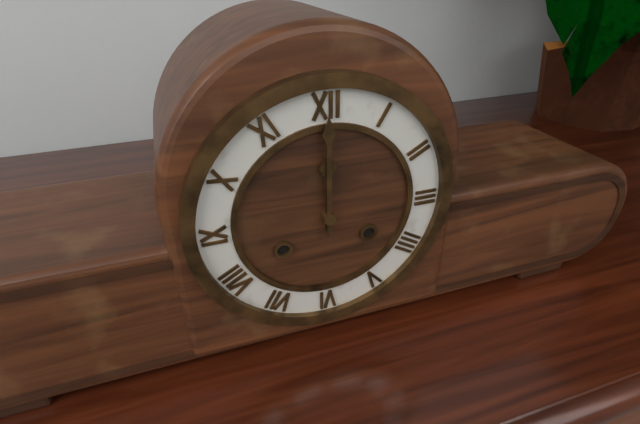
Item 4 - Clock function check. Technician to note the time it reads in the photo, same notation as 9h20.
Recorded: 12h00
